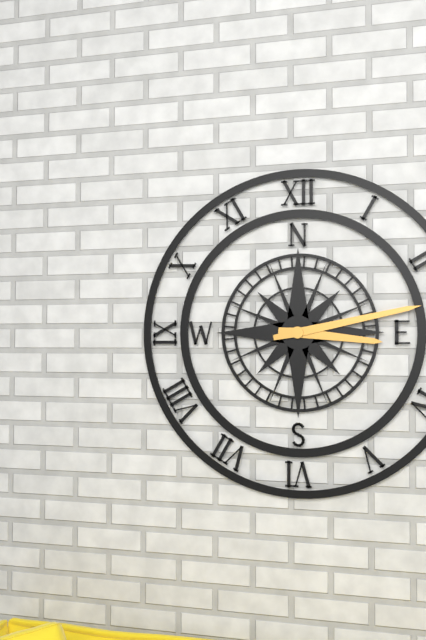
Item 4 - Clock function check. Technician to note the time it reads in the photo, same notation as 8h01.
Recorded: 3h13
